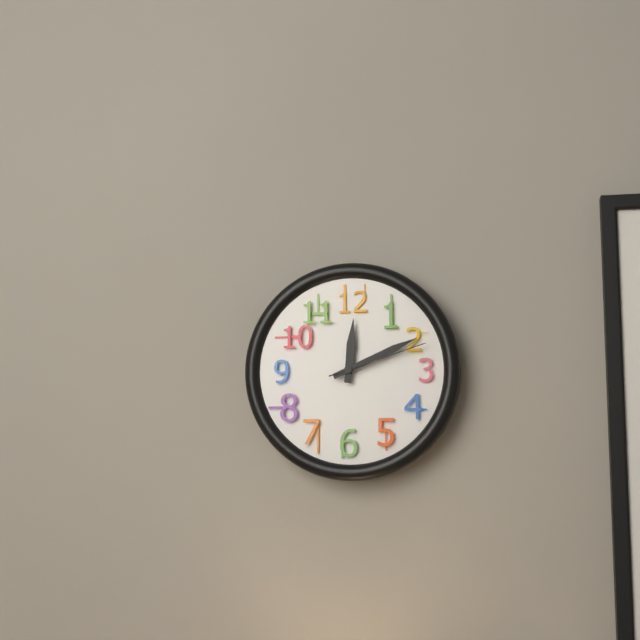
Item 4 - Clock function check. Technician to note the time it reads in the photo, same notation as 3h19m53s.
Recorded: 12h11m12s
